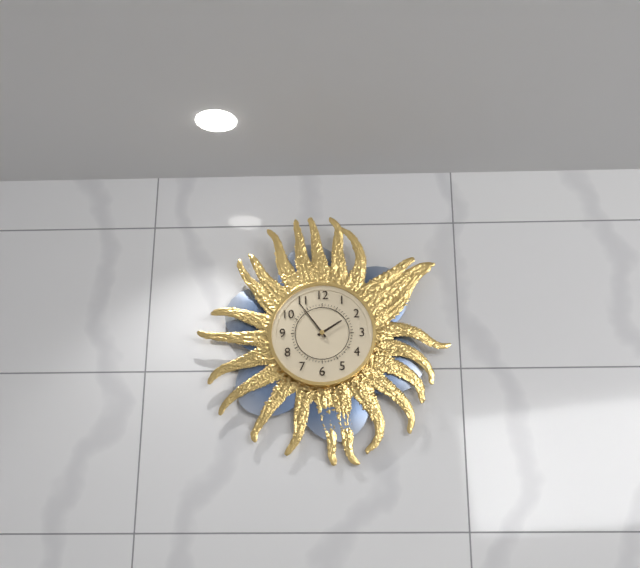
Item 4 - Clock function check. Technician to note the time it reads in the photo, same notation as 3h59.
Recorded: 1h54
